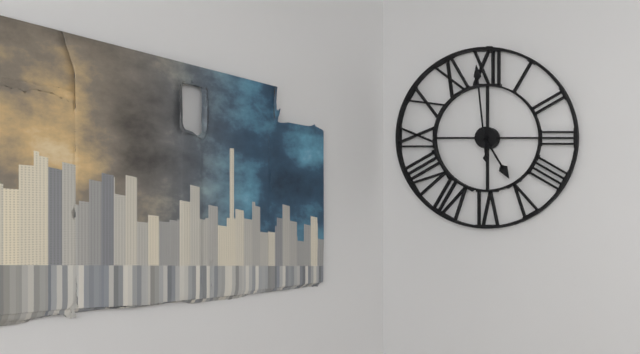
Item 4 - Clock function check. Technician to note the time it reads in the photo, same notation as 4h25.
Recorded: 4h59
